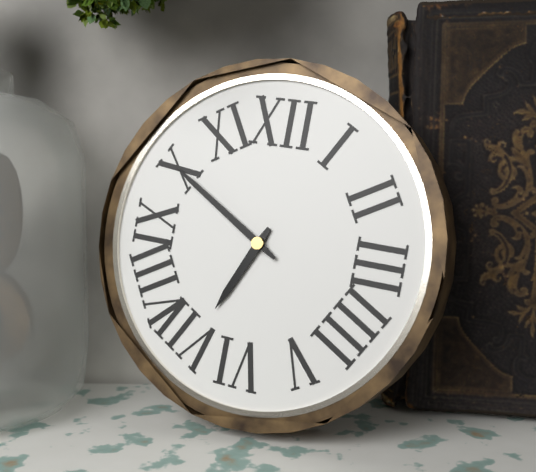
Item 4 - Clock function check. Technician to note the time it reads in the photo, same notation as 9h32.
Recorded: 6h50
